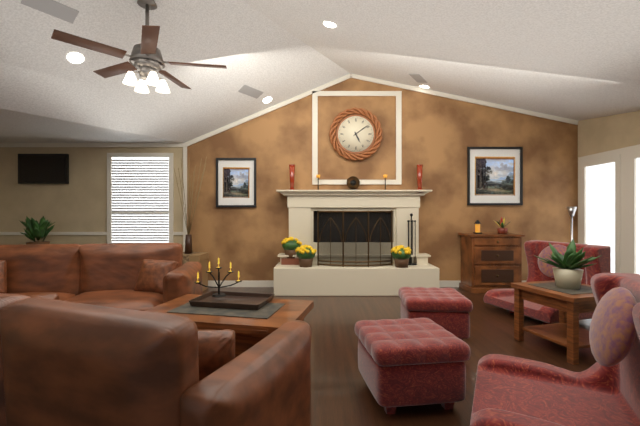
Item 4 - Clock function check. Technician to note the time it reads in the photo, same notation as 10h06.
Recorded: 5h09
